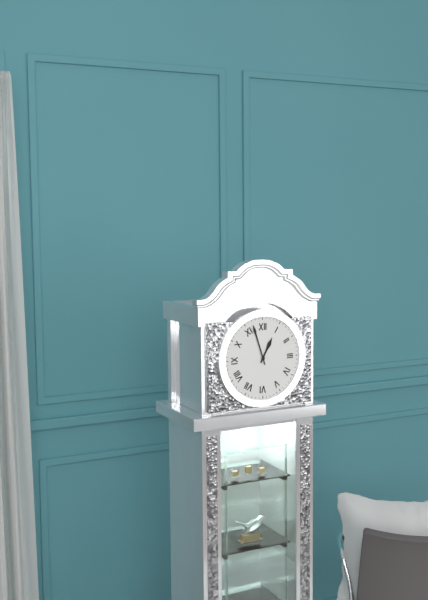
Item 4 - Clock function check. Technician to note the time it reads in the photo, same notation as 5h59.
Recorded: 12h57
